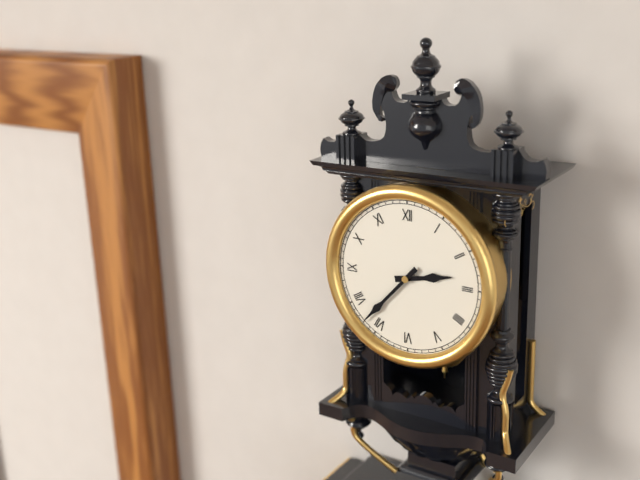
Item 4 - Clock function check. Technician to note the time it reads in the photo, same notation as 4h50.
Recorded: 2h37
